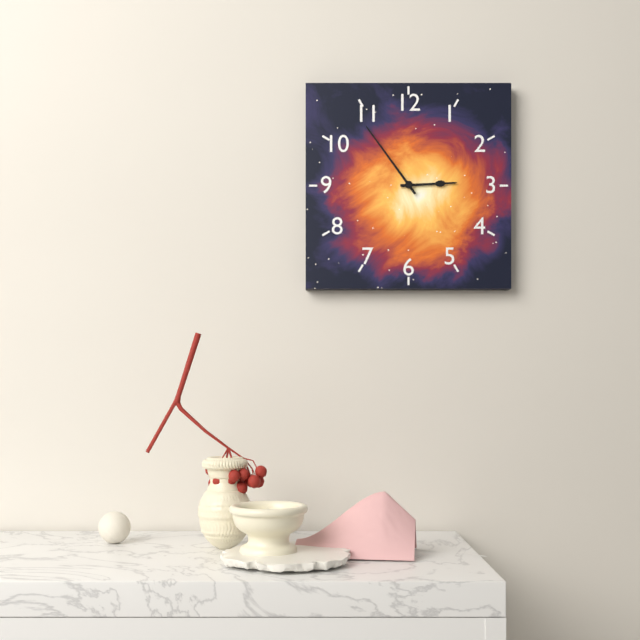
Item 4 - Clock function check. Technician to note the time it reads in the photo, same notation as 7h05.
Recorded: 2h54
